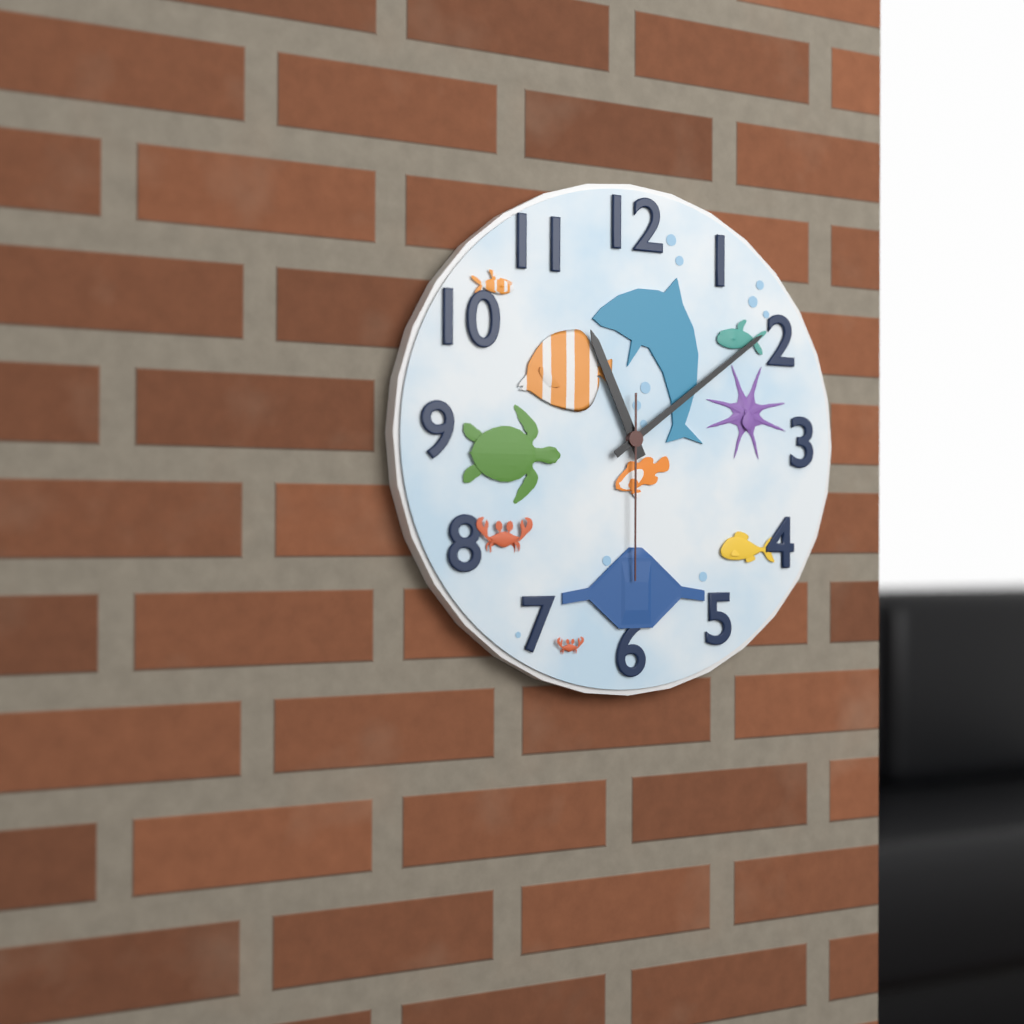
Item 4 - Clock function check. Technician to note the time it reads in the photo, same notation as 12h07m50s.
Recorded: 11h09m30s
